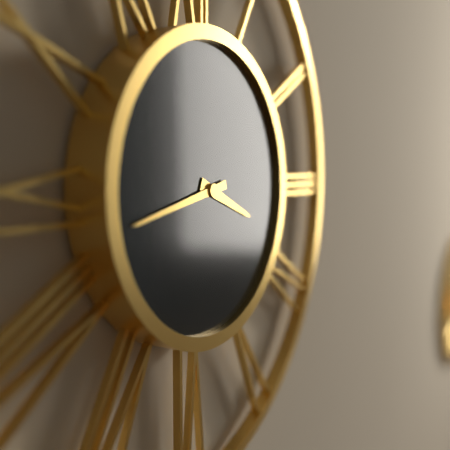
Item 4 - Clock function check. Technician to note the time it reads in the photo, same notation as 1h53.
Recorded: 3h43
